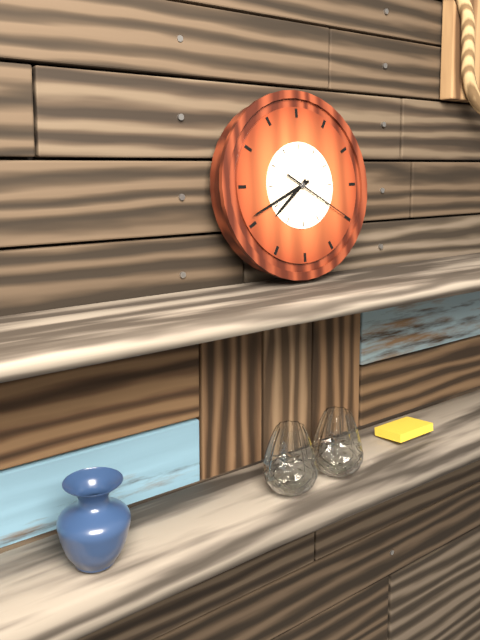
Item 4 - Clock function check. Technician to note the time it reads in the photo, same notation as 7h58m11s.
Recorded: 7h41m20s
